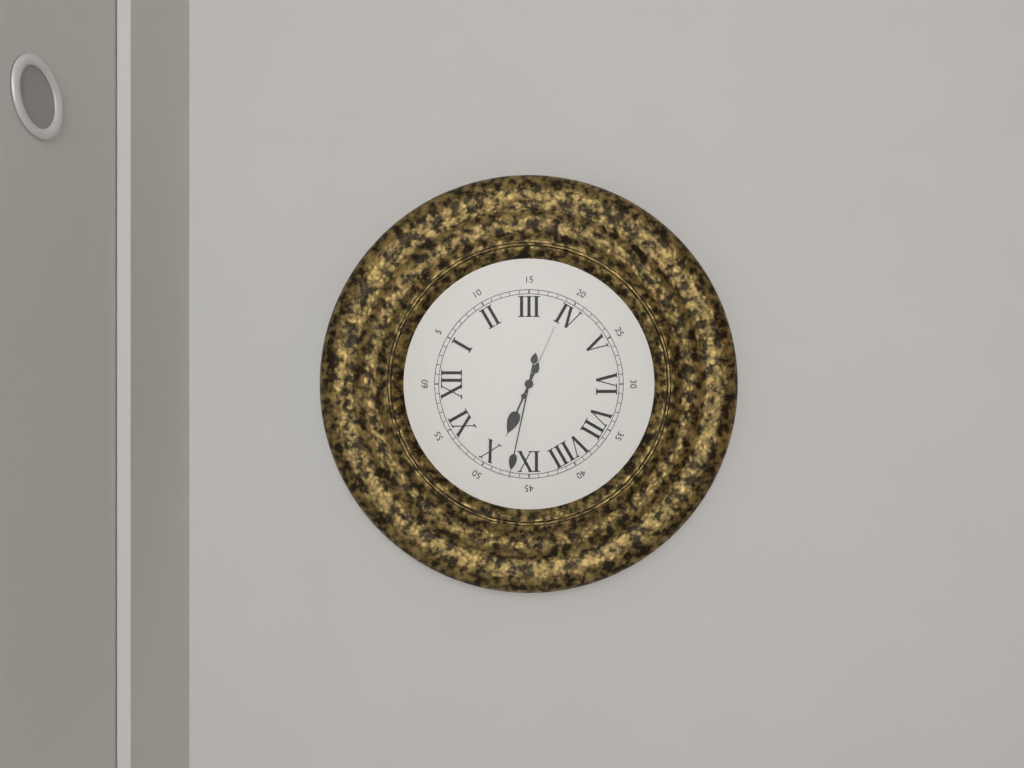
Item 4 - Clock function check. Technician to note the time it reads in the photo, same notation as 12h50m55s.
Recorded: 9h47m19s
